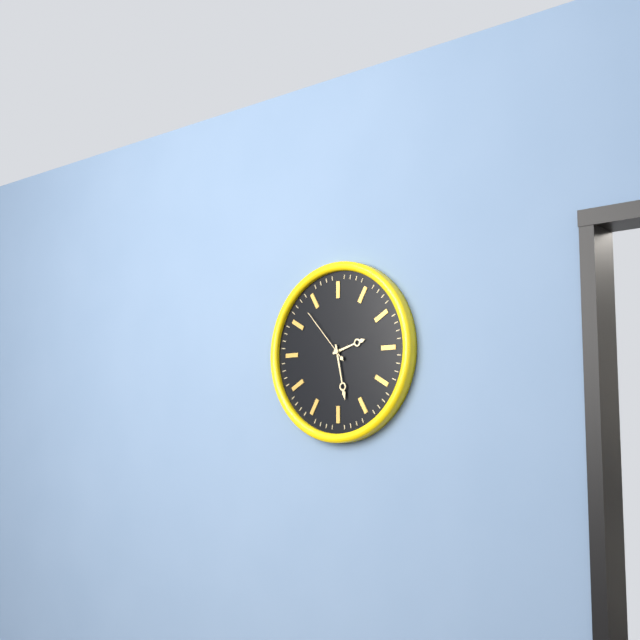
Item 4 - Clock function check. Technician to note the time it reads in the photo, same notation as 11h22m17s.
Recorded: 2h28m53s
